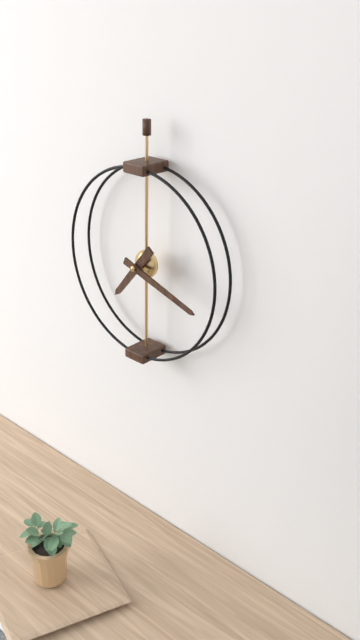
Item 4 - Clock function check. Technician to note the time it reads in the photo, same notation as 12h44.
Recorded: 7h18
